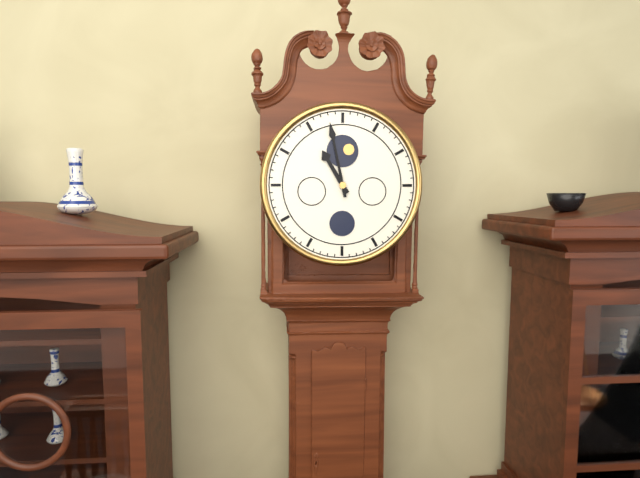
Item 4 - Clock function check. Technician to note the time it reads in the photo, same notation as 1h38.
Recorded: 10h58
